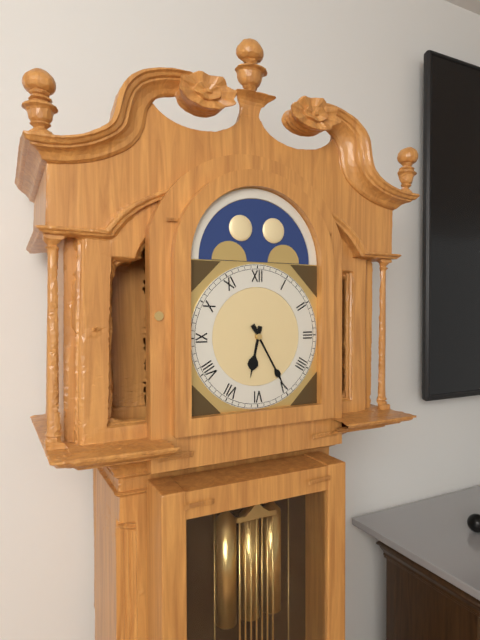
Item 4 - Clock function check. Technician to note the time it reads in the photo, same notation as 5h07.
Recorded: 6h25
